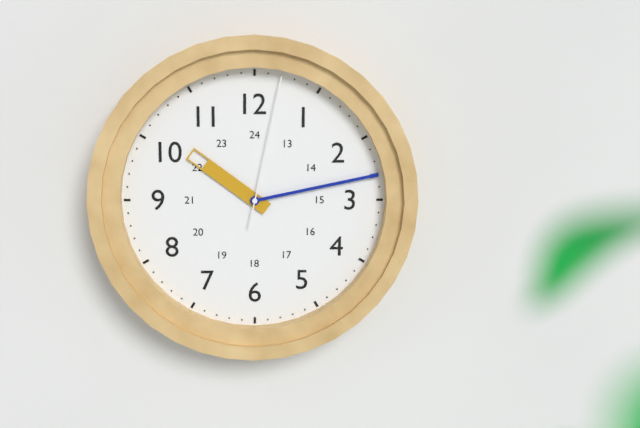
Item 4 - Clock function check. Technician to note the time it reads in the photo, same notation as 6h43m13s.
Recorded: 10h13m02s
